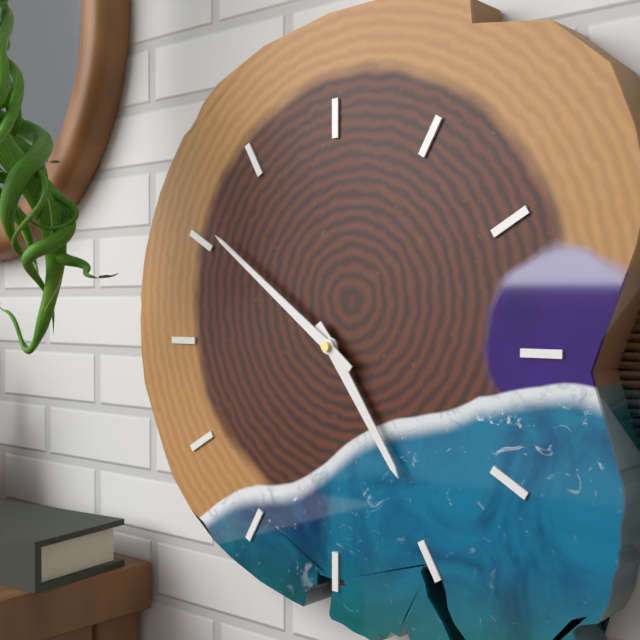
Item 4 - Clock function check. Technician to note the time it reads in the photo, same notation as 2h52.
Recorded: 4h51
